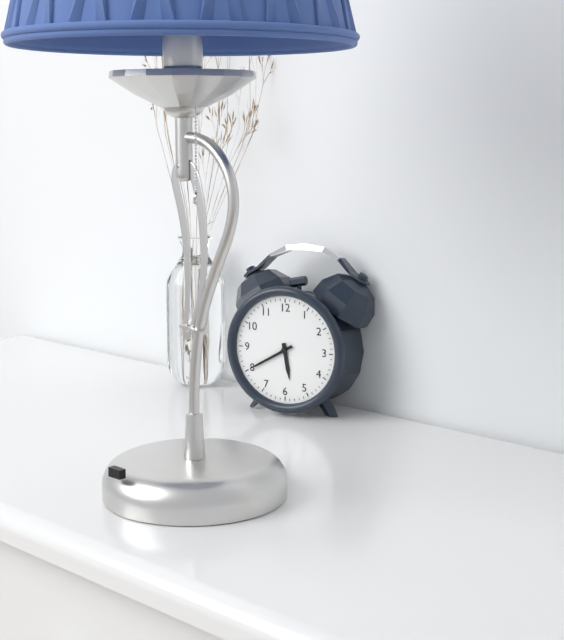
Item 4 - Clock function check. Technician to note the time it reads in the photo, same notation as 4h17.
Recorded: 5h40
